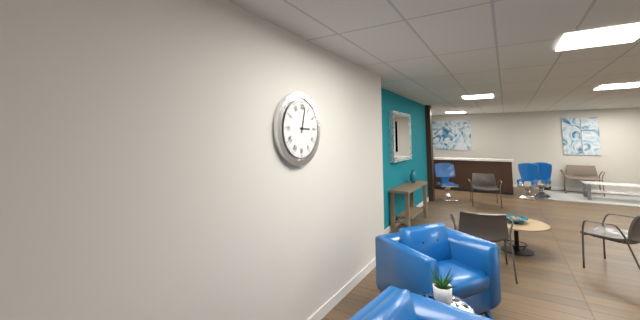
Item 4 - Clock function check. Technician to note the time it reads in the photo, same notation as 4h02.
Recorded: 3h02
